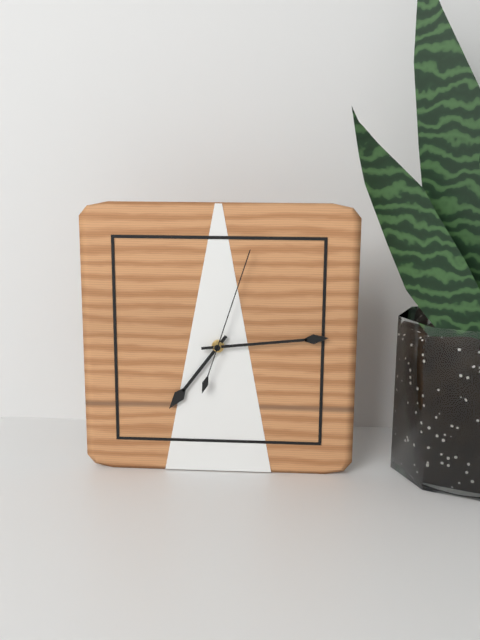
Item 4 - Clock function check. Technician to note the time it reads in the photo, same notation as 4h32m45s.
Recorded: 7h14m03s
